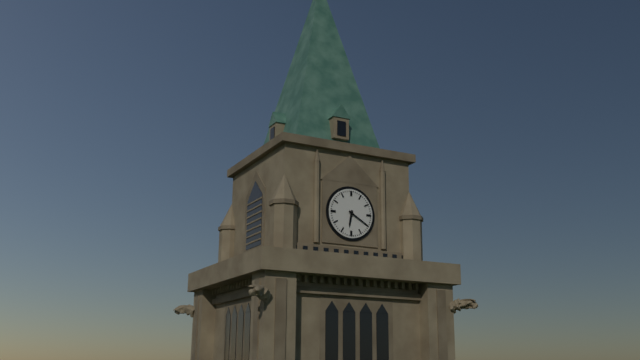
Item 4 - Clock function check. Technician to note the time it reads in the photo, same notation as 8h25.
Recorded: 6h20
